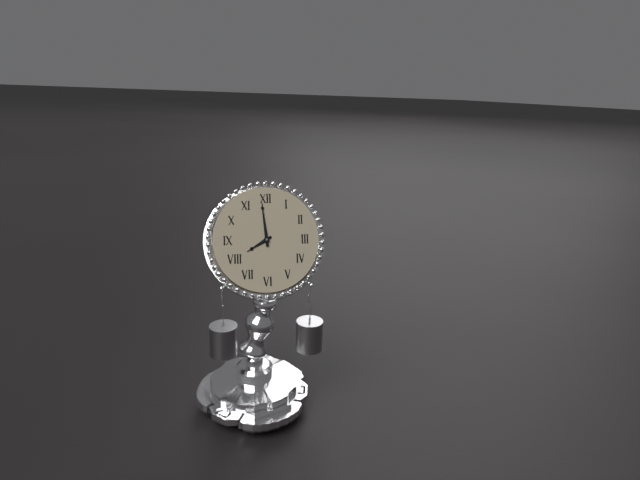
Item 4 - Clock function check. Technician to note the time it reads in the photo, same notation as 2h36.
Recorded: 7h59
